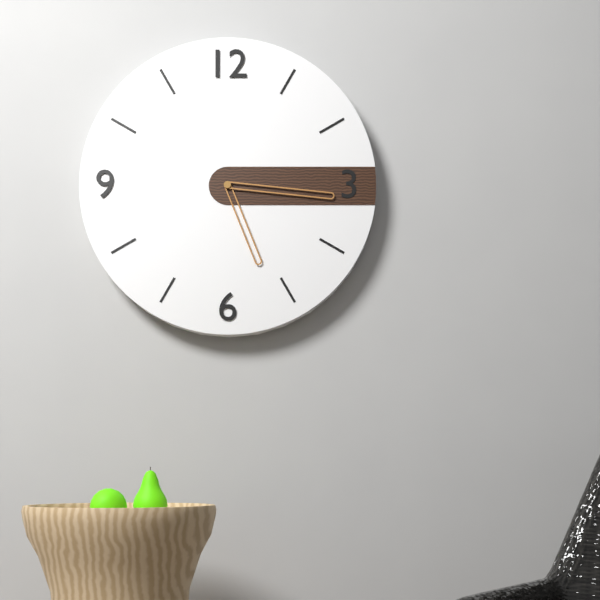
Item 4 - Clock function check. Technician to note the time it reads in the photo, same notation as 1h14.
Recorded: 5h16
